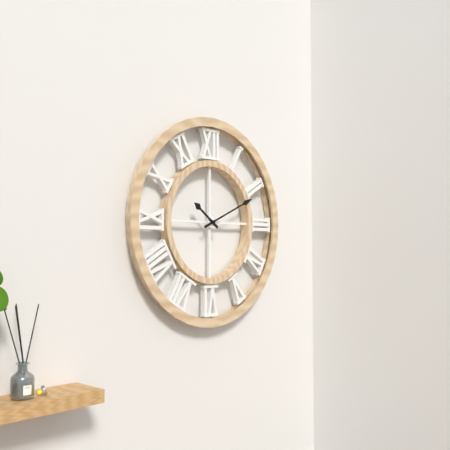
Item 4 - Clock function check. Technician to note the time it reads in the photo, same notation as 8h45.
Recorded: 10h11
